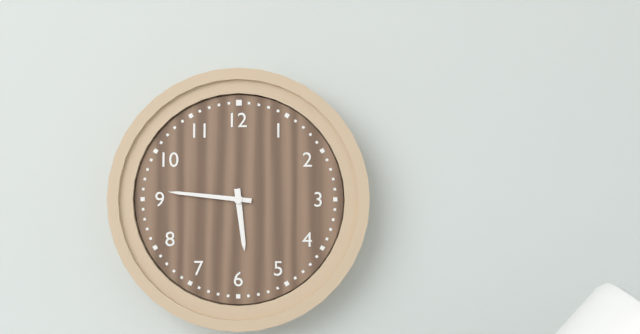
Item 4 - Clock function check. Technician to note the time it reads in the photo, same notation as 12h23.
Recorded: 5h46
